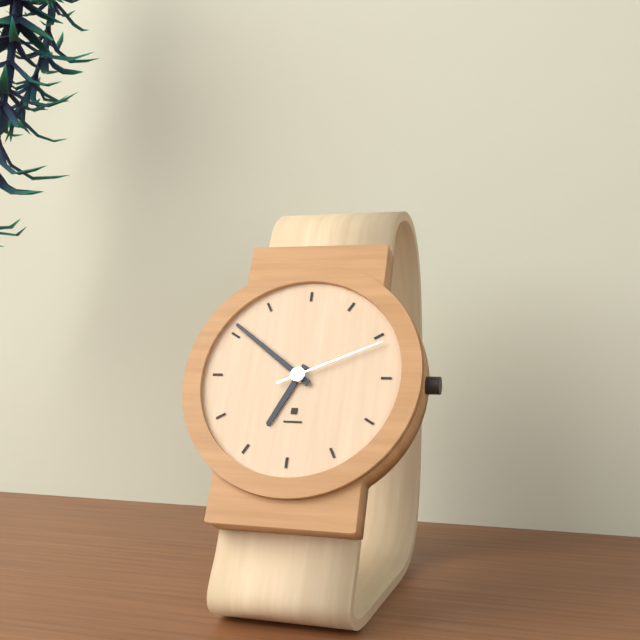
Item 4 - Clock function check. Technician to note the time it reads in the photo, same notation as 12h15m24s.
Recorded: 6h51m11s
